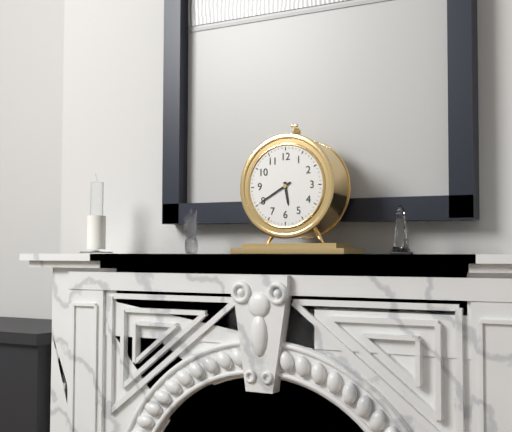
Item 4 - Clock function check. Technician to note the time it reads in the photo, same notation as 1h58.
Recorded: 5h40
